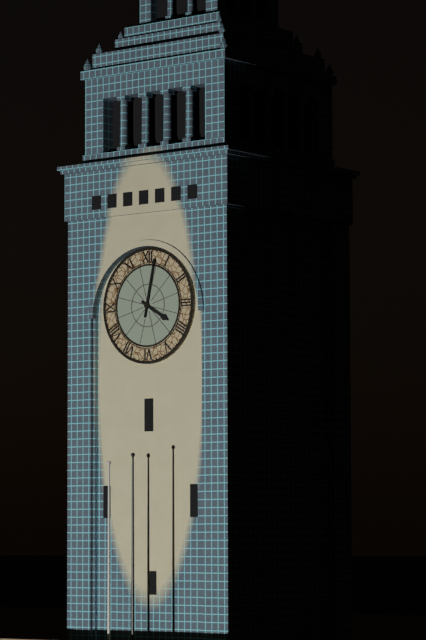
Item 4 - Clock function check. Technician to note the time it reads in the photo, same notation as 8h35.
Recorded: 4h02
